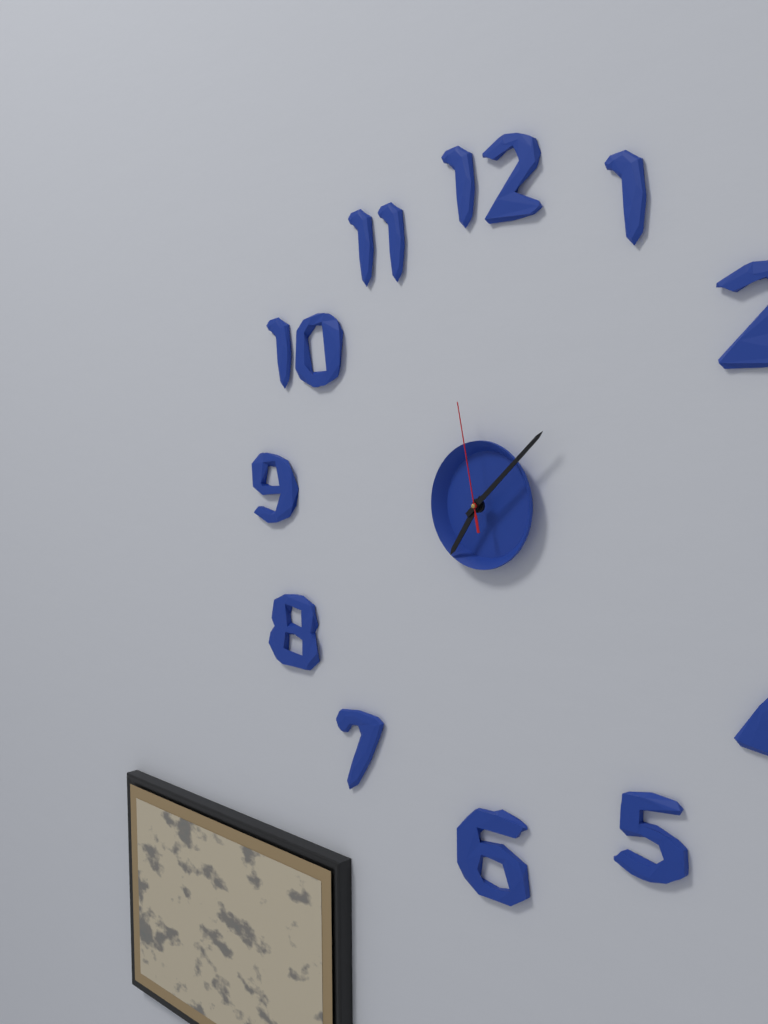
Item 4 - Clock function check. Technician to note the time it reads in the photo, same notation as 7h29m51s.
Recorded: 7h08m58s
